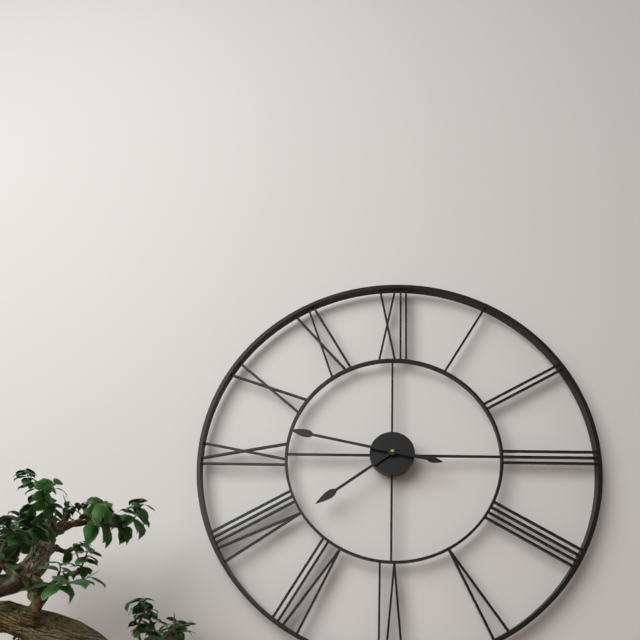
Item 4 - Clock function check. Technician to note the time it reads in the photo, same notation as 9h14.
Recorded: 7h47
